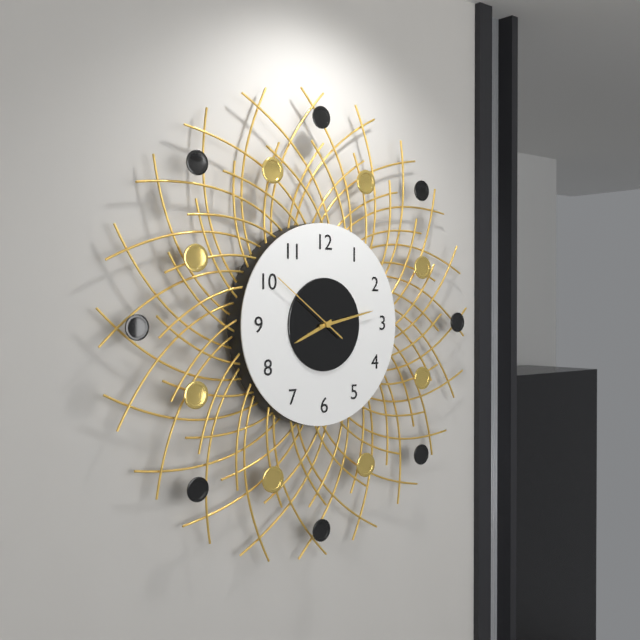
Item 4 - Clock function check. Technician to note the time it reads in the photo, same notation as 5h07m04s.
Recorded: 8h13m51s
